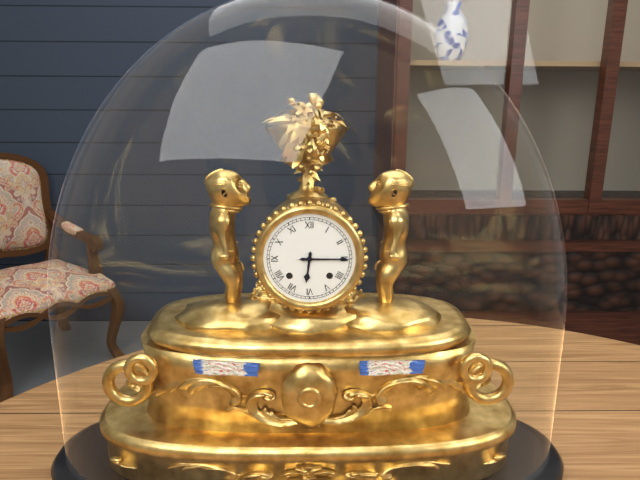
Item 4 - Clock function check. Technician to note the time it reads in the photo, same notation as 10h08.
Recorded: 6h15
